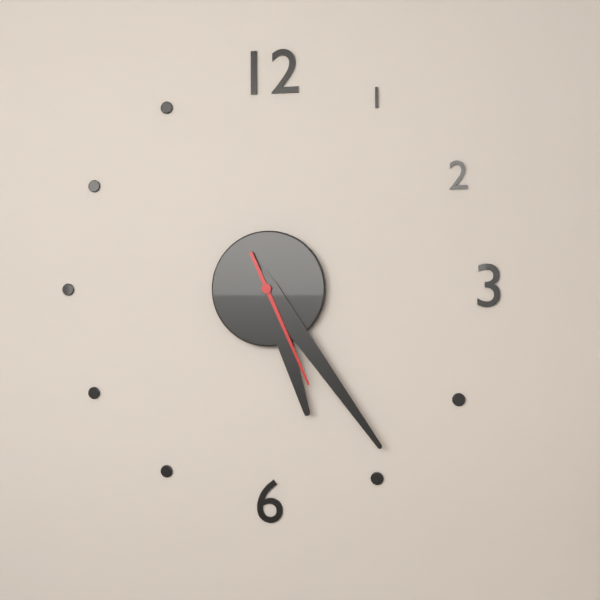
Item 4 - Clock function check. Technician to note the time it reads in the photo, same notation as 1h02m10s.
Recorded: 5h24m26s
